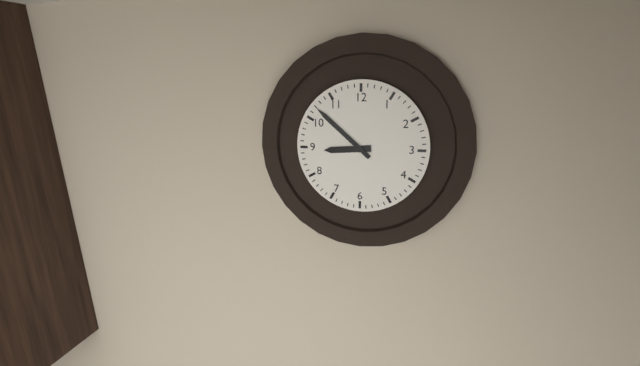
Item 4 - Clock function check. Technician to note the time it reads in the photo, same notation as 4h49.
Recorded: 8h52
